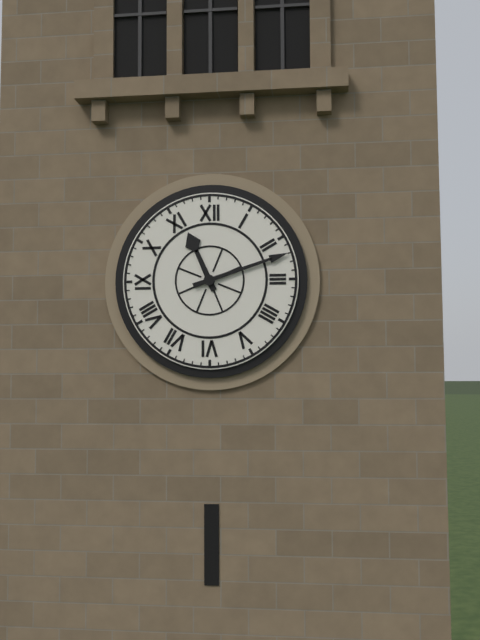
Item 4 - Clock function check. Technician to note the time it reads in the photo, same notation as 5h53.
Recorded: 11h12
